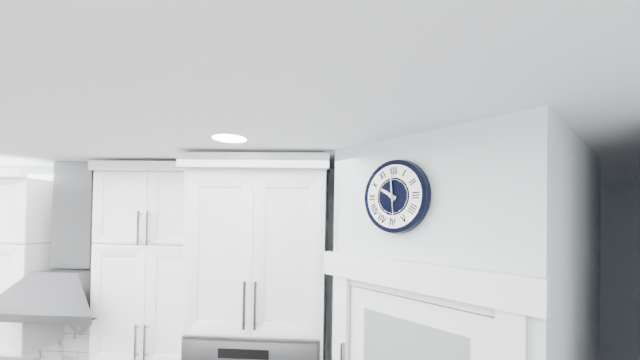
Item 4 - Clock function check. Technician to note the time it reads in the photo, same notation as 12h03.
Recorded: 9h59
